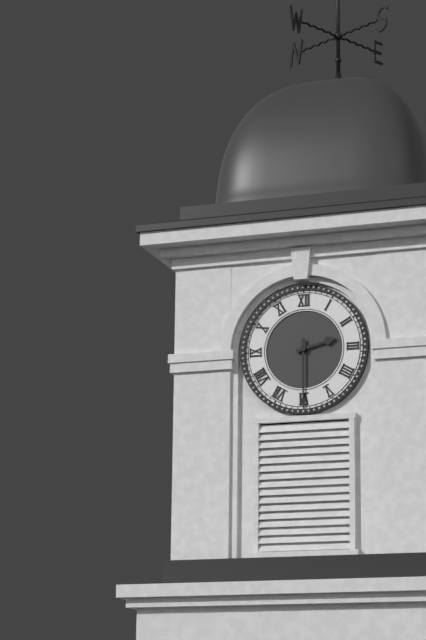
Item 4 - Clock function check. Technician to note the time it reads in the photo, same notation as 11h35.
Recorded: 2h30
